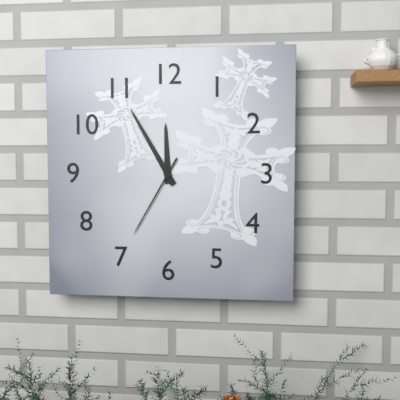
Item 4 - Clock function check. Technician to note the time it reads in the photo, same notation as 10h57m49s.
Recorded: 11h55m35s
